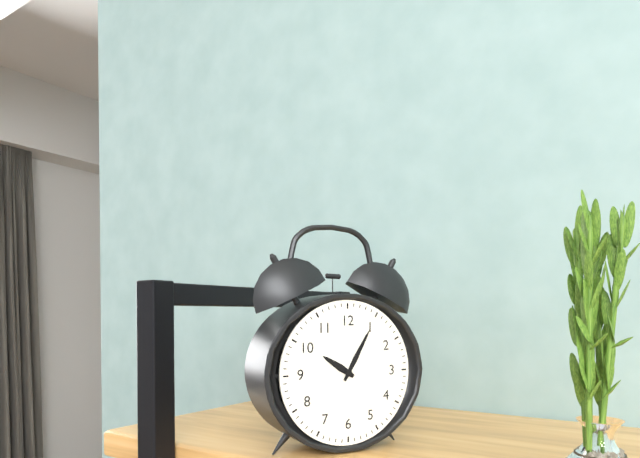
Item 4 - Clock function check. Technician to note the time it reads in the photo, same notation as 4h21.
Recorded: 10h05
